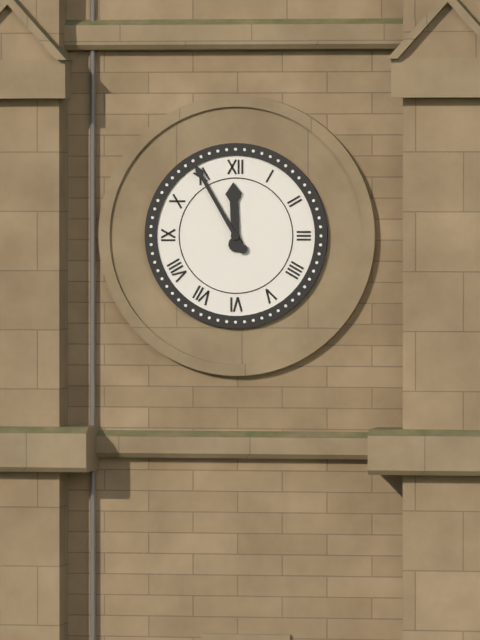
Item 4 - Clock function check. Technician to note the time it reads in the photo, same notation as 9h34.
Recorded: 11h55
